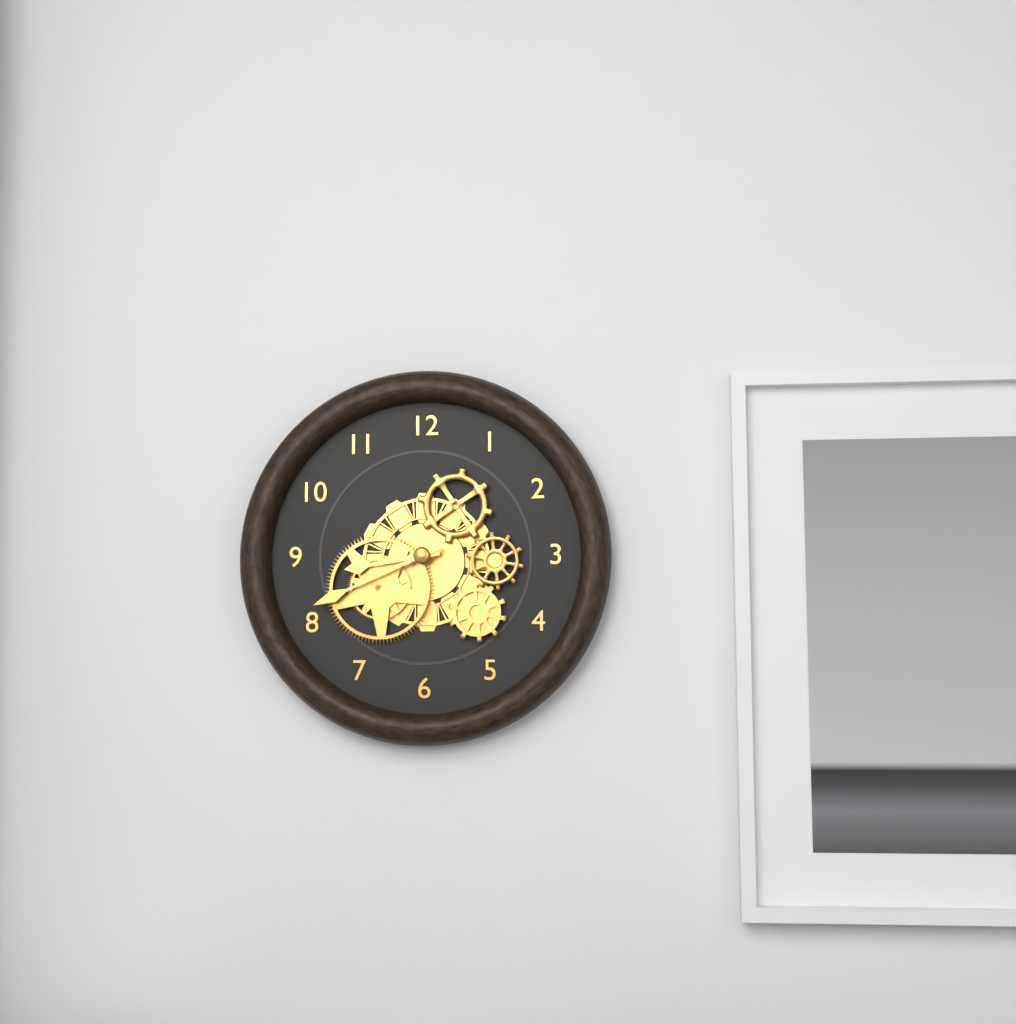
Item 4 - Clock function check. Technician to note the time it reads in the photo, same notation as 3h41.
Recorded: 8h41
